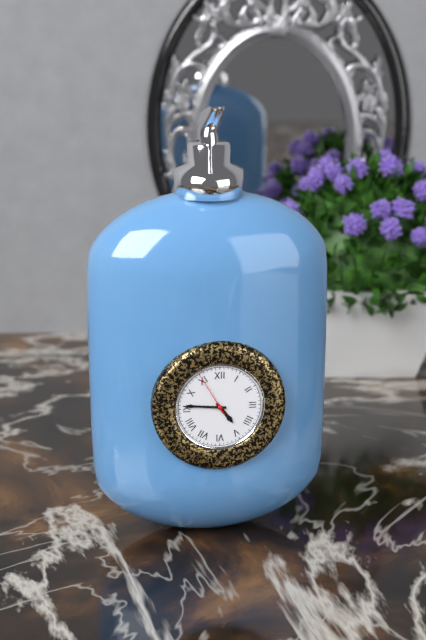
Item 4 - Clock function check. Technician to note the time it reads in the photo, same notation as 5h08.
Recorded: 4h46
